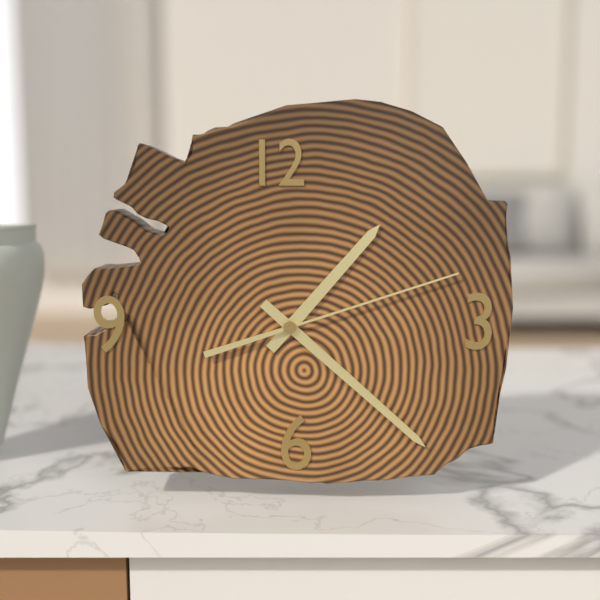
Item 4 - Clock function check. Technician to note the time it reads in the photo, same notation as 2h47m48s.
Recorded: 1h22m12s
